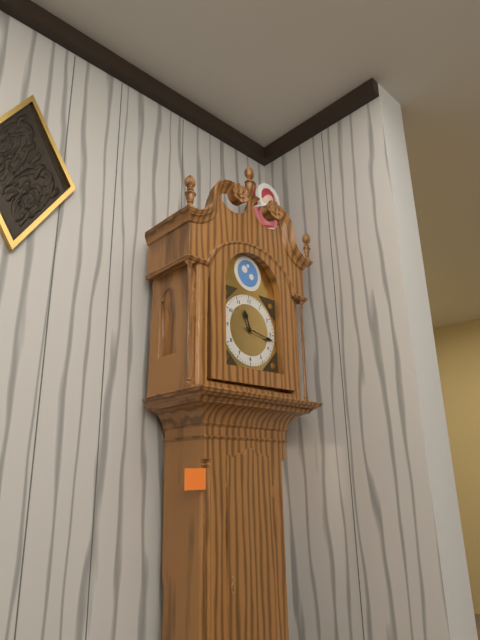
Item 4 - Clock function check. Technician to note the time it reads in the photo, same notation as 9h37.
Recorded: 11h17
